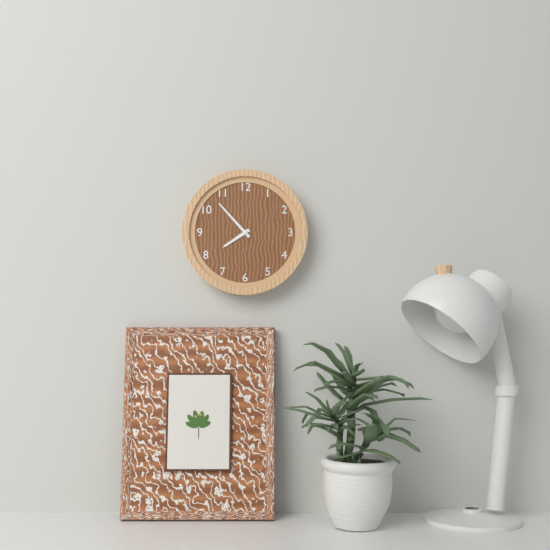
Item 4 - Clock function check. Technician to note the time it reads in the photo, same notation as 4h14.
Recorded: 7h53
